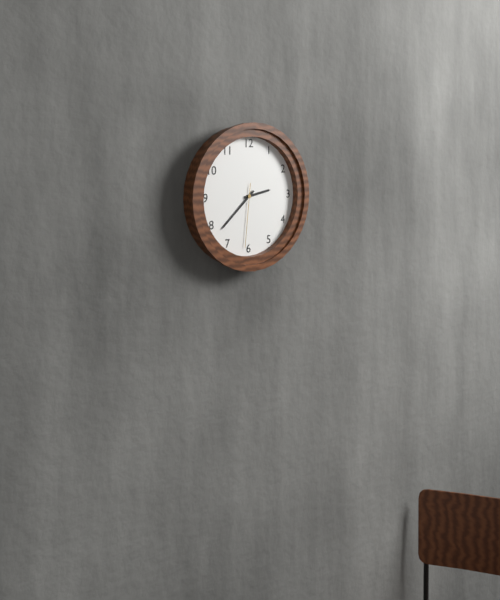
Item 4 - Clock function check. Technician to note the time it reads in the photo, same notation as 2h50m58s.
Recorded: 2h38m31s
